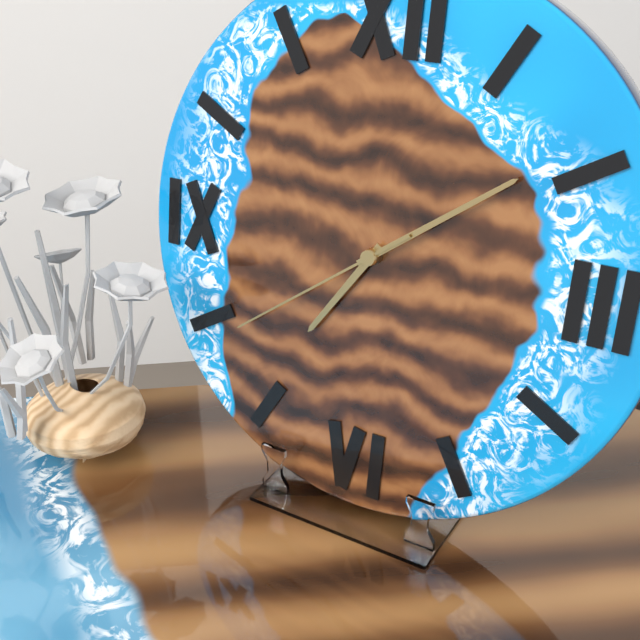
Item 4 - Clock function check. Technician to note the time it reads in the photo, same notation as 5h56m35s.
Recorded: 7h09m39s
